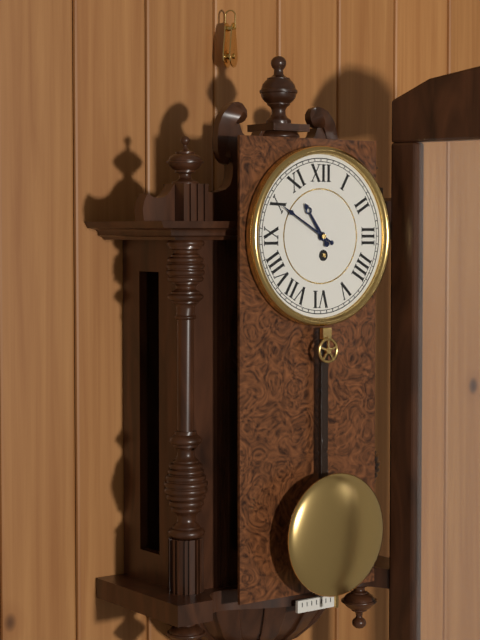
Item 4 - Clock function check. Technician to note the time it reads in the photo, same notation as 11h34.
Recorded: 10h50
